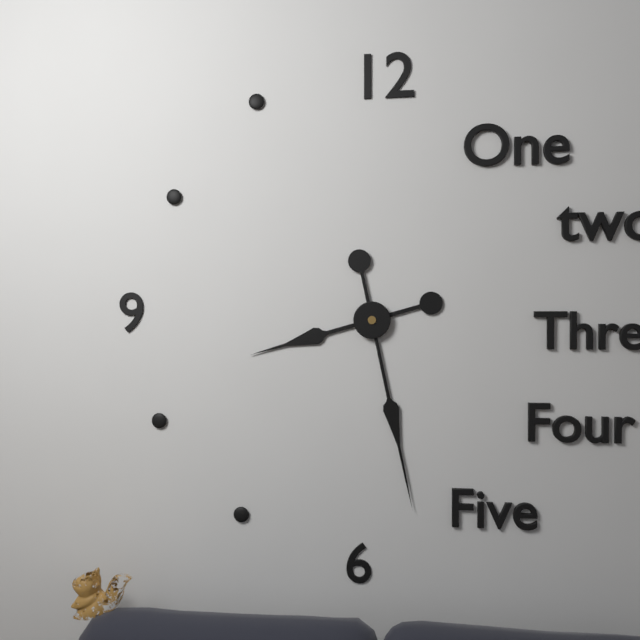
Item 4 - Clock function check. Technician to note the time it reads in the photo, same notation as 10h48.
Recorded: 8h28
